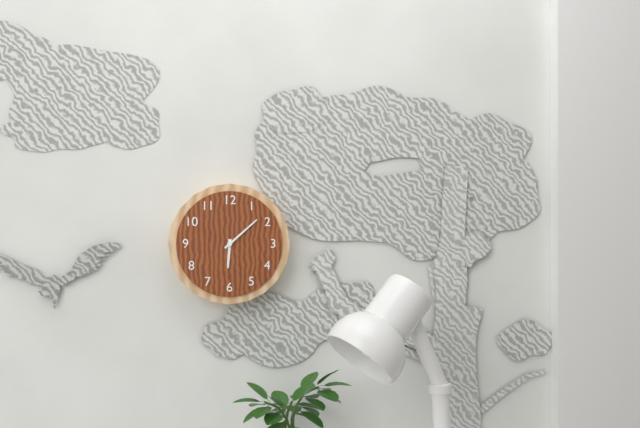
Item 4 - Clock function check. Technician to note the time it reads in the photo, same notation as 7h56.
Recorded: 6h08
